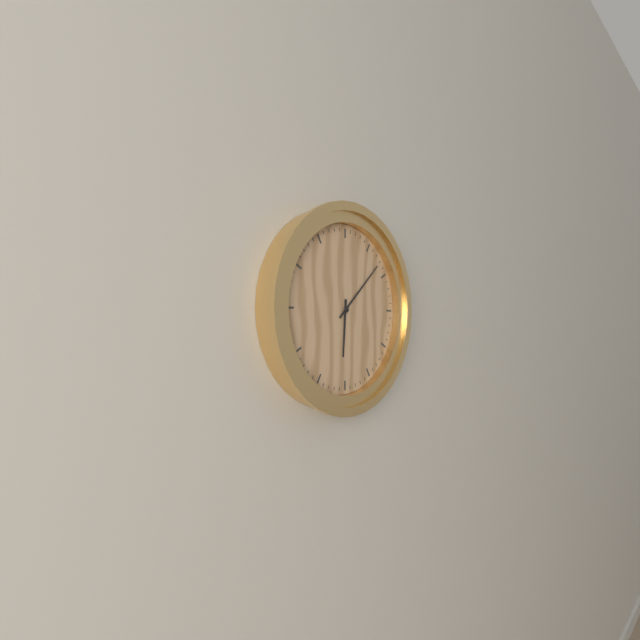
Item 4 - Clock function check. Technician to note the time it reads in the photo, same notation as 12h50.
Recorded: 6h08
